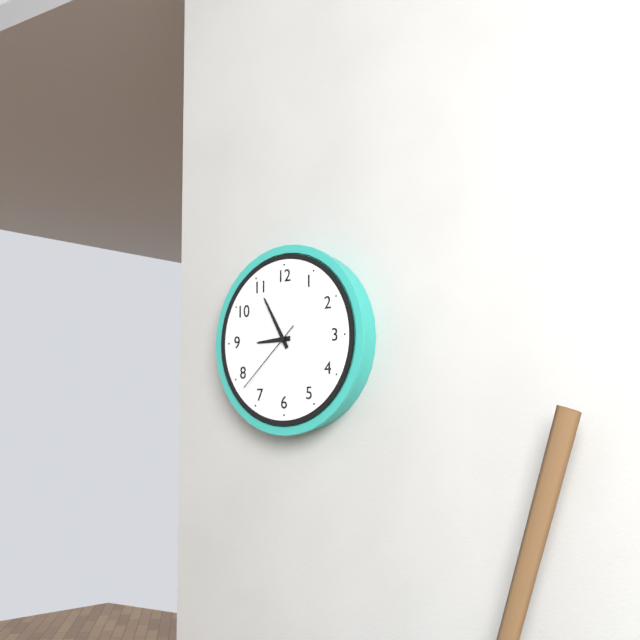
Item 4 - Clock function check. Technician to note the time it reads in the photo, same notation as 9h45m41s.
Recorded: 8h55m38s
